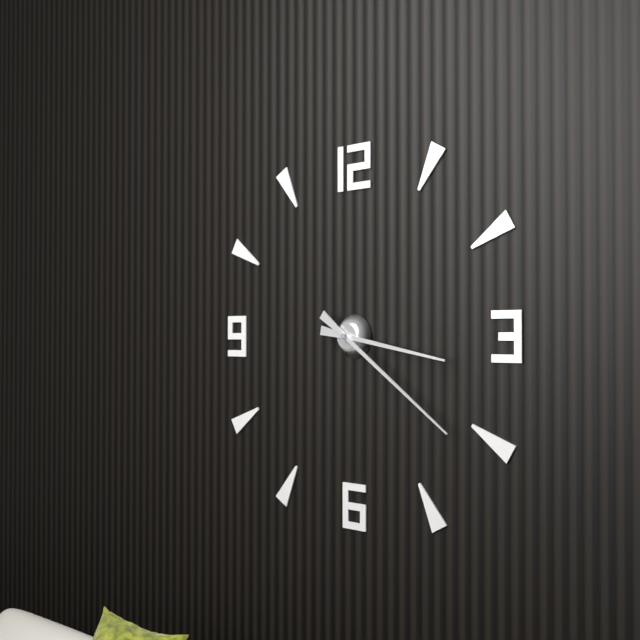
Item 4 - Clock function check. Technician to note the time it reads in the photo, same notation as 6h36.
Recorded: 3h21
